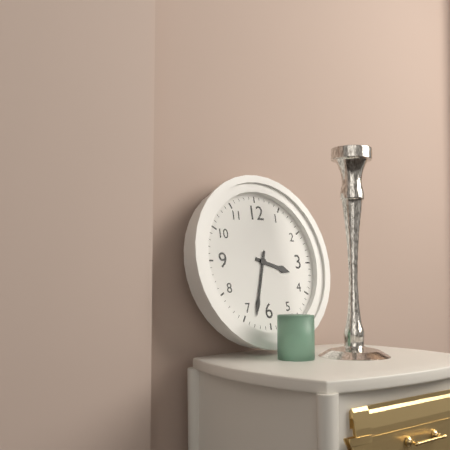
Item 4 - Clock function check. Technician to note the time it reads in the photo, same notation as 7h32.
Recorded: 3h33
